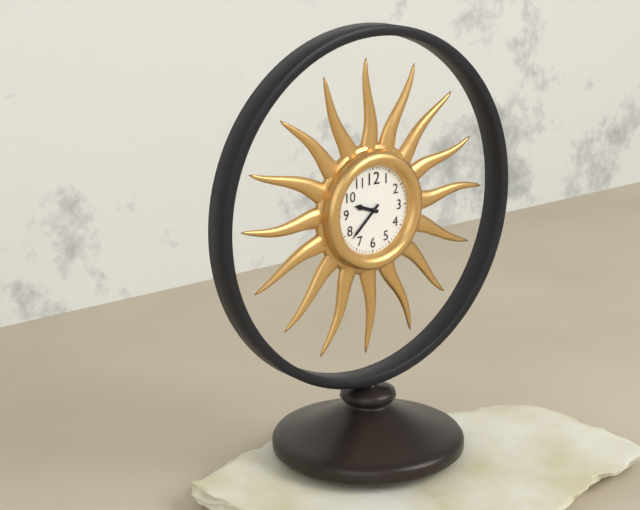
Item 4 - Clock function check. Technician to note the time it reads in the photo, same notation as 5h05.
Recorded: 9h38
